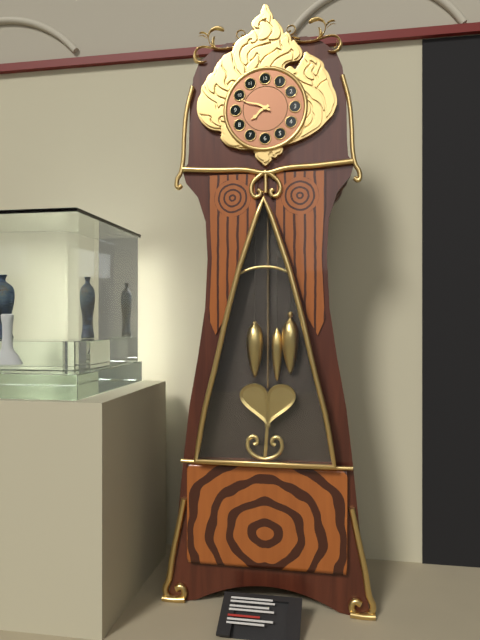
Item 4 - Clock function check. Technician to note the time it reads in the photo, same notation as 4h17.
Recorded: 7h49
